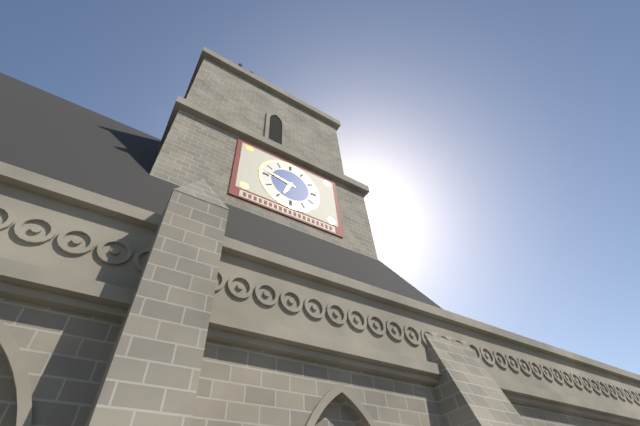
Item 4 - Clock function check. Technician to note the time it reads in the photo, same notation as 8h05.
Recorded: 6h47
